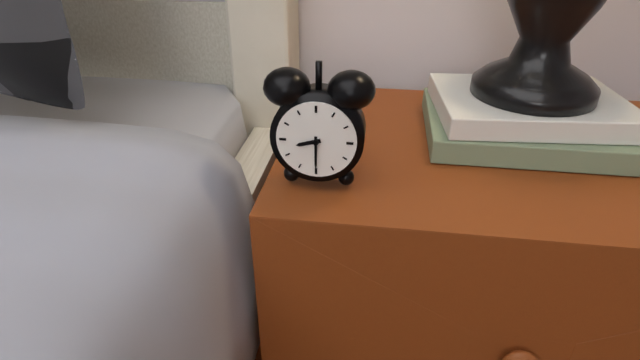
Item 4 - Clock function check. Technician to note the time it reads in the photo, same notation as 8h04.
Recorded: 8h30
